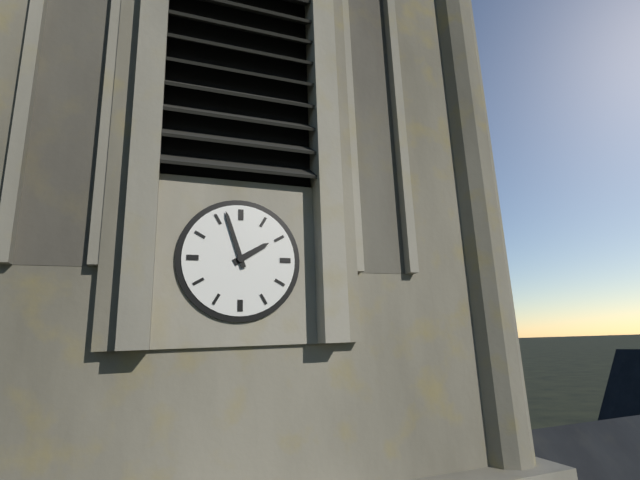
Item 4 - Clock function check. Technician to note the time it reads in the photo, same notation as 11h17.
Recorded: 1h57
